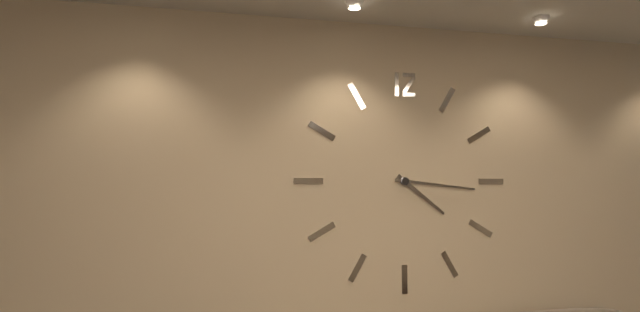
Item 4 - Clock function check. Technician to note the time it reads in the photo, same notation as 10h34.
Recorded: 4h16
